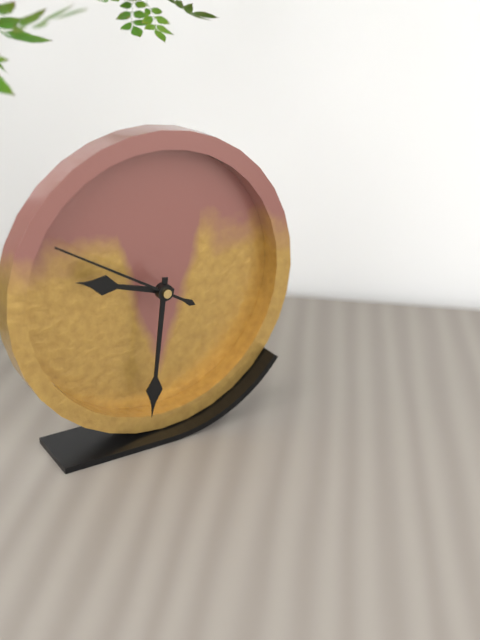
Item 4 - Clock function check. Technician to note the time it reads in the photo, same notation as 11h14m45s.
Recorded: 9h31m50s
